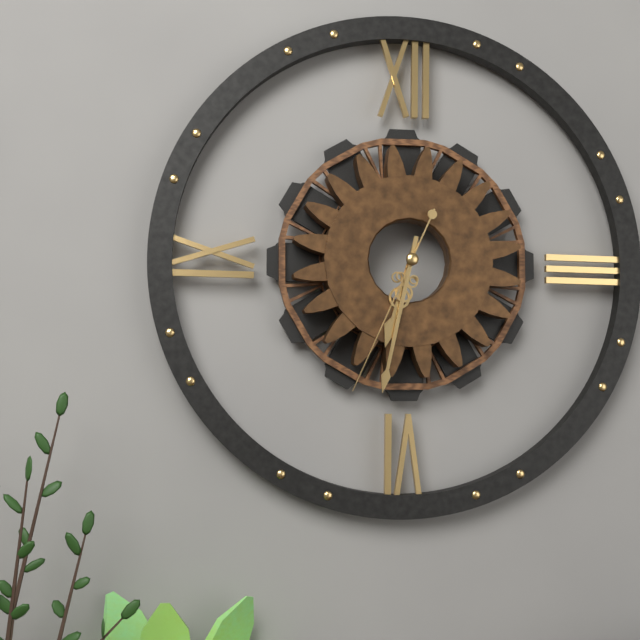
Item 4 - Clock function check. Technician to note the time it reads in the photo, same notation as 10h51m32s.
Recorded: 6h32m34s
